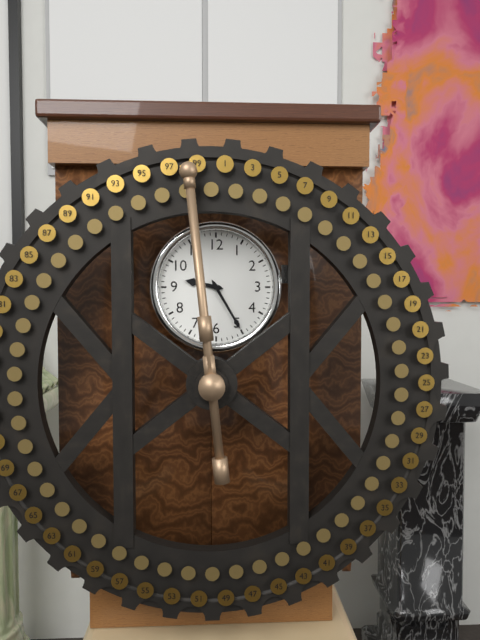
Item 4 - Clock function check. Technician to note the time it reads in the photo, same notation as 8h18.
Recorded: 9h25
